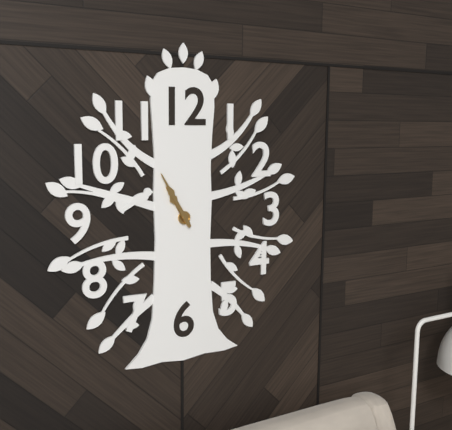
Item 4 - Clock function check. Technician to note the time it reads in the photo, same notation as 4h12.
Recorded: 10h55
